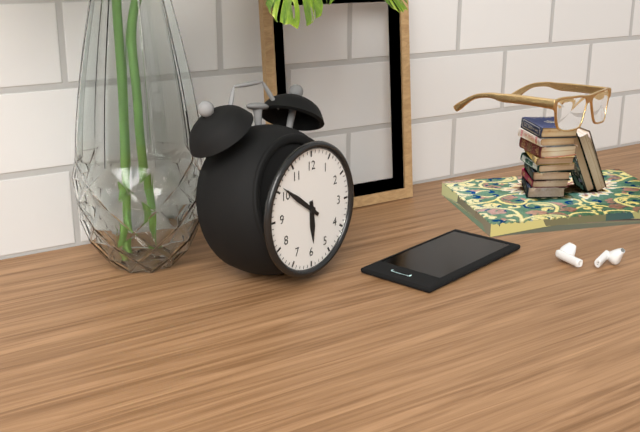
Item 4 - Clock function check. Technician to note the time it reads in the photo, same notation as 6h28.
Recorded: 5h51
